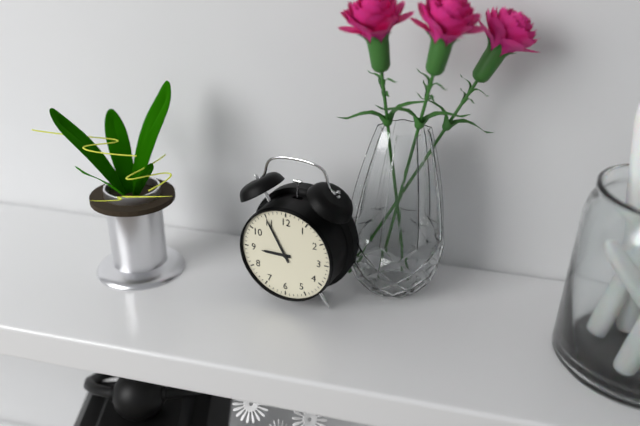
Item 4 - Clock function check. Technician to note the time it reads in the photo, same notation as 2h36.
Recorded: 8h55
